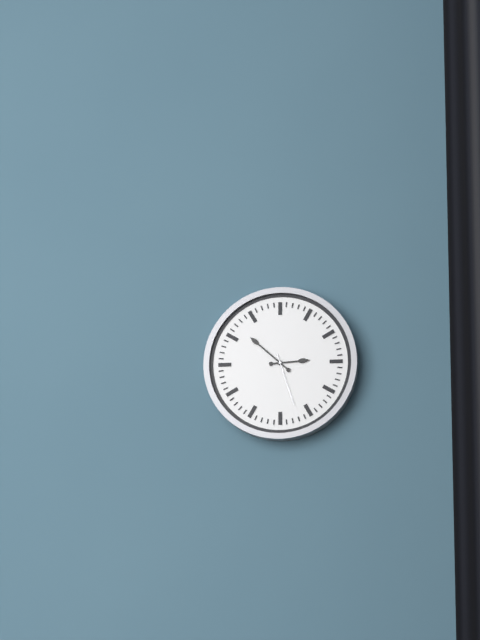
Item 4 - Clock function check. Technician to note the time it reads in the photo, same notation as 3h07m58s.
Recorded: 2h52m27s
